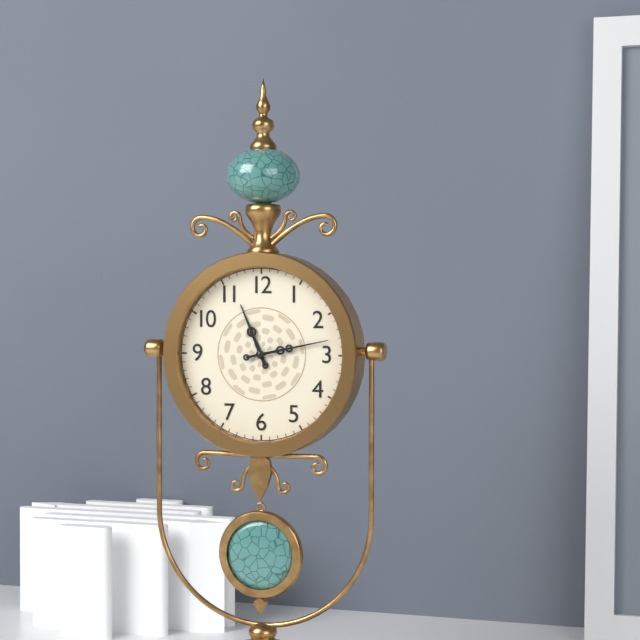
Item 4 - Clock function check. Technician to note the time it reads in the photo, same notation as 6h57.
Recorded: 11h13
